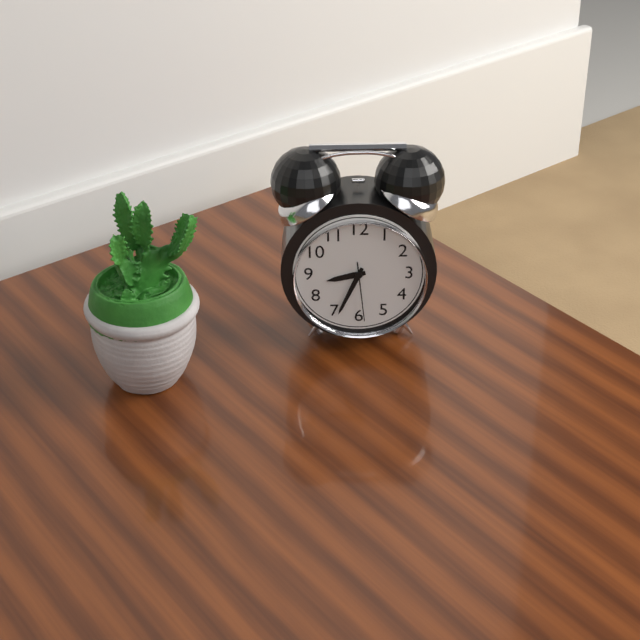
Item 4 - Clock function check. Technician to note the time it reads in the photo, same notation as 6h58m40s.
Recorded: 8h34m29s
